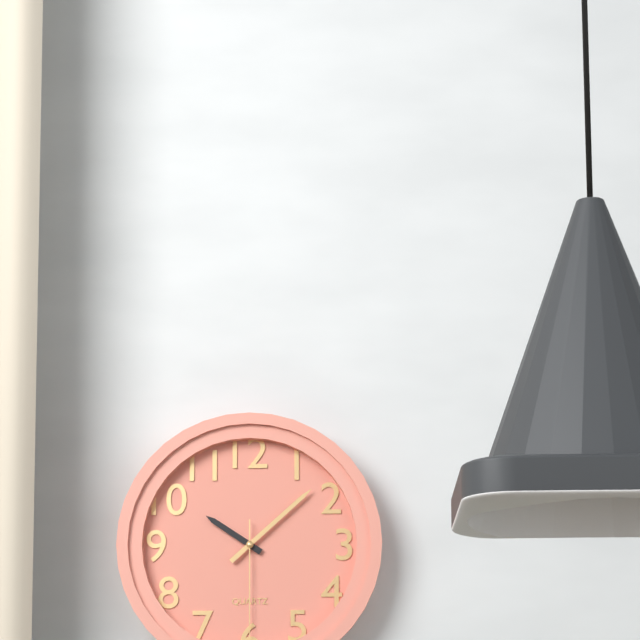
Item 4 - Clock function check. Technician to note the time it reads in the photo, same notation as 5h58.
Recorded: 10h08
